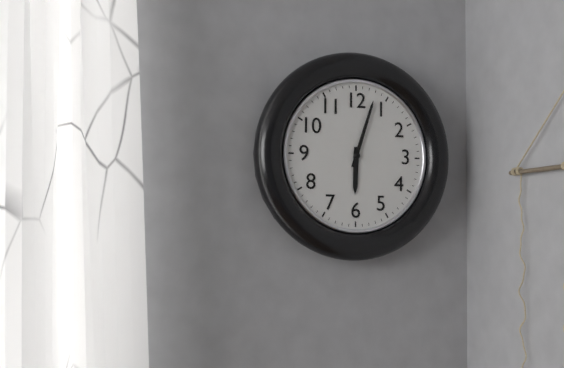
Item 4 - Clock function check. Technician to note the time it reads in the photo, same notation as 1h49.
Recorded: 6h03
